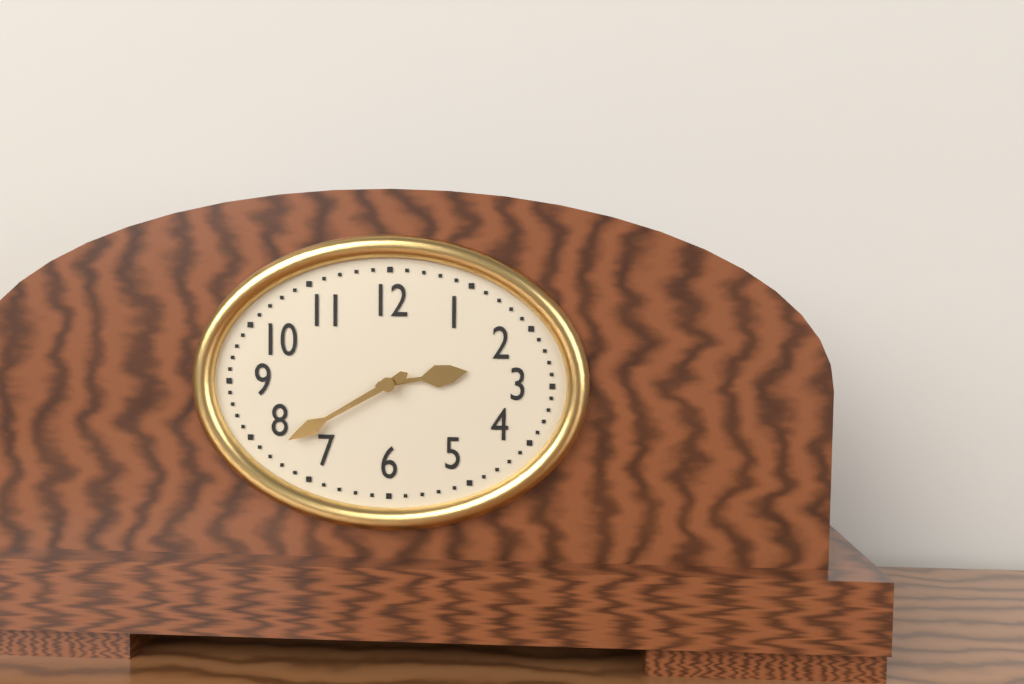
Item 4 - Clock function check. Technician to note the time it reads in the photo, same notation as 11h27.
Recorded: 2h40
